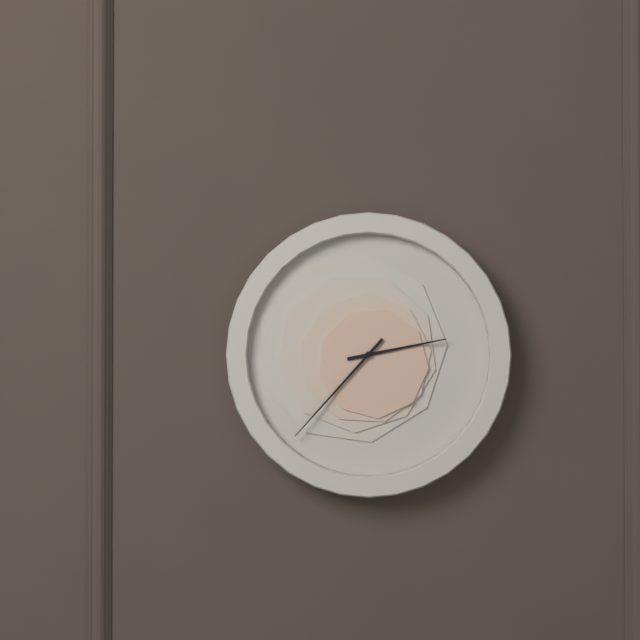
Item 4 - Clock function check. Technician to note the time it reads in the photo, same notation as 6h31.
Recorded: 2h37
